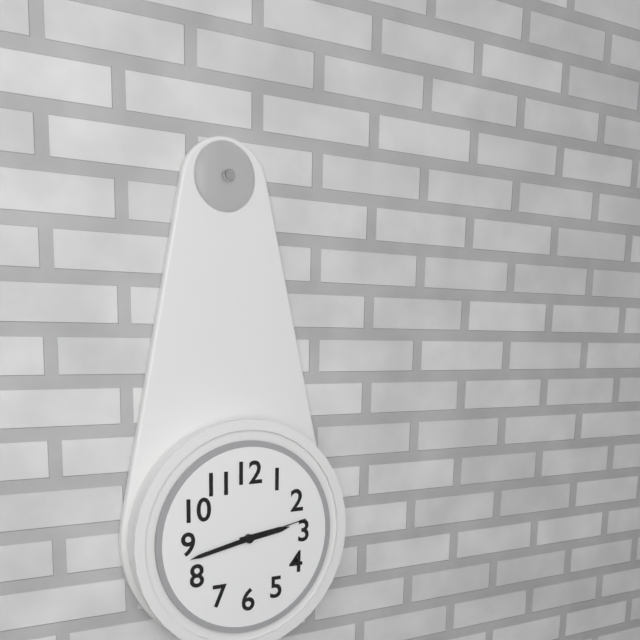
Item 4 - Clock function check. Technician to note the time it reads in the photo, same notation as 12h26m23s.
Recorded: 2h43m13s
